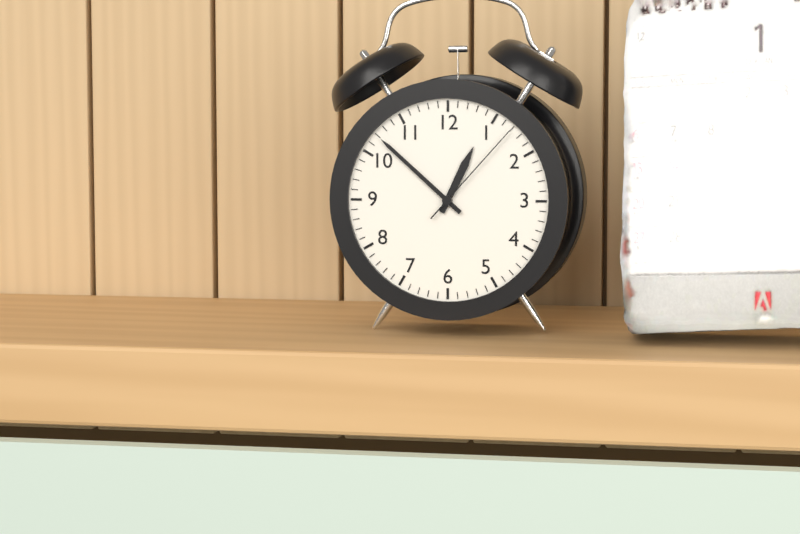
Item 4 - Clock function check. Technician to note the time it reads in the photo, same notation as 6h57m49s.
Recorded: 12h52m07s
